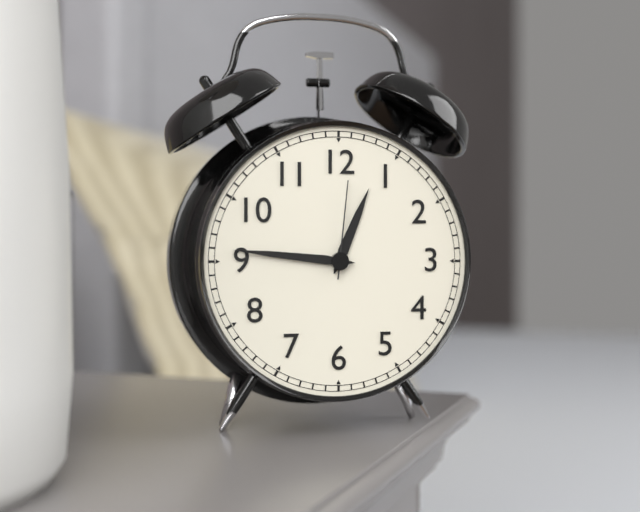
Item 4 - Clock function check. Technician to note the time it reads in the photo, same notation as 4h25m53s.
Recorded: 12h46m01s
